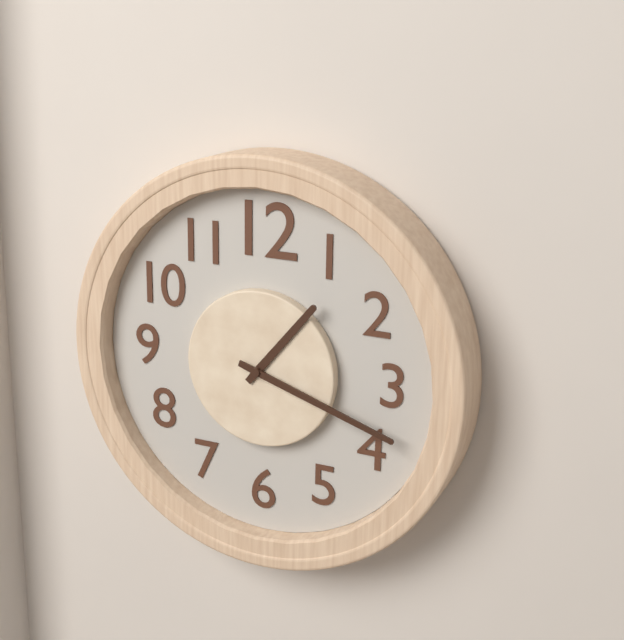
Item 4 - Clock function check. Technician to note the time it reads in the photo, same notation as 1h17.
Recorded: 1h18
